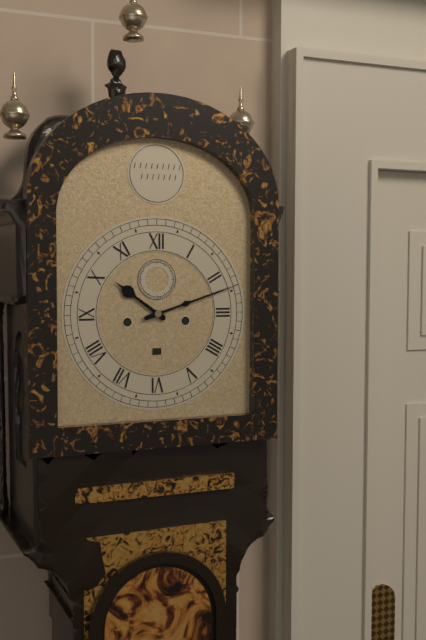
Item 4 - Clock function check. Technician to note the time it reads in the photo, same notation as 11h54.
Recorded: 10h12
